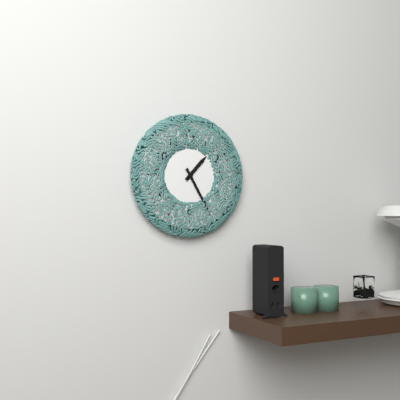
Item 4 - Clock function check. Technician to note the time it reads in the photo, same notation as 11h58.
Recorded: 1h25
